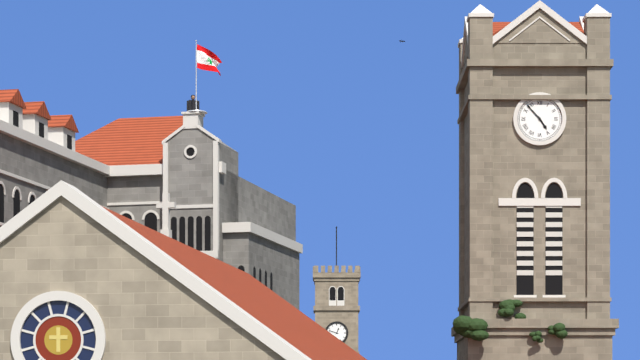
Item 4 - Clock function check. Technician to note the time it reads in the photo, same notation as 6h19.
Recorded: 4h53
